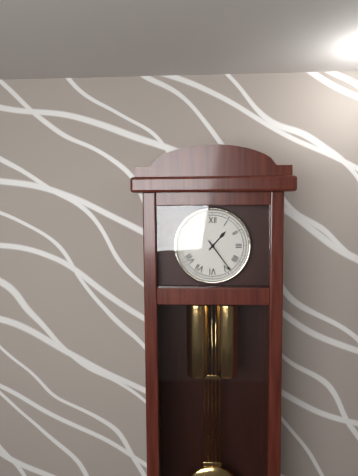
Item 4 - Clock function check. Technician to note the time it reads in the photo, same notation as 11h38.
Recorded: 1h24
